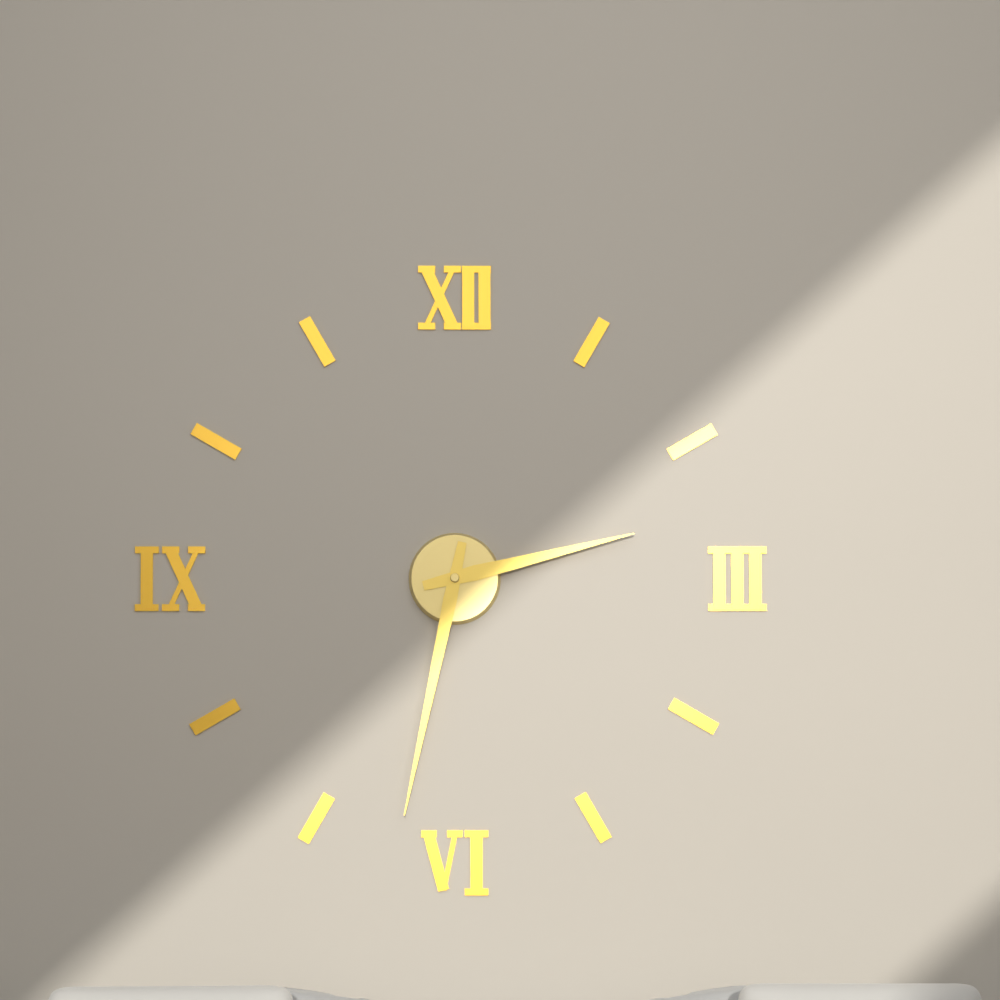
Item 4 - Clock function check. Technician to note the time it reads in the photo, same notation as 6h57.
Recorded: 2h32
